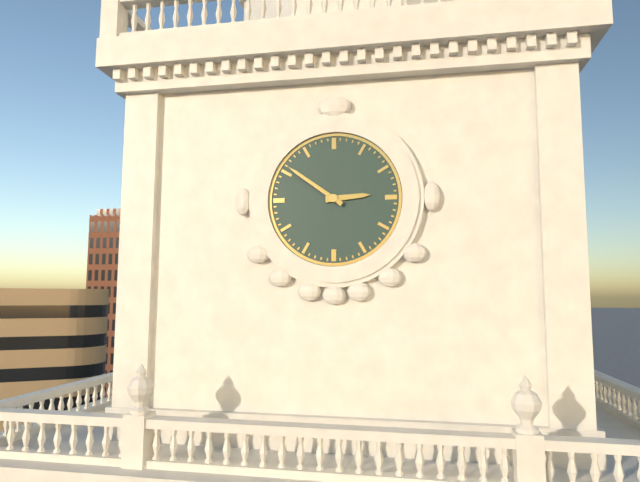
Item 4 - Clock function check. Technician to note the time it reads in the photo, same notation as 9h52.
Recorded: 2h51
